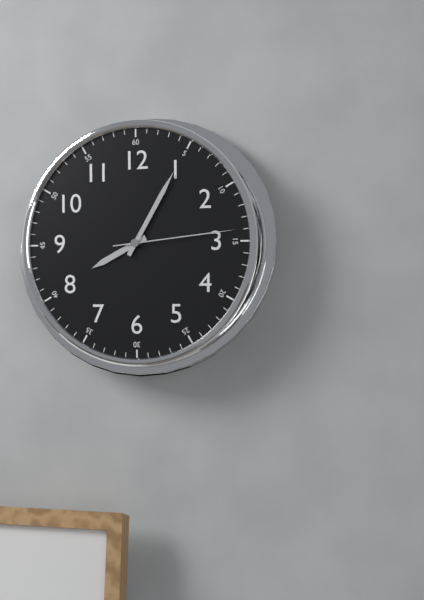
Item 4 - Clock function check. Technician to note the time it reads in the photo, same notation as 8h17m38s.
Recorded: 8h05m14s
